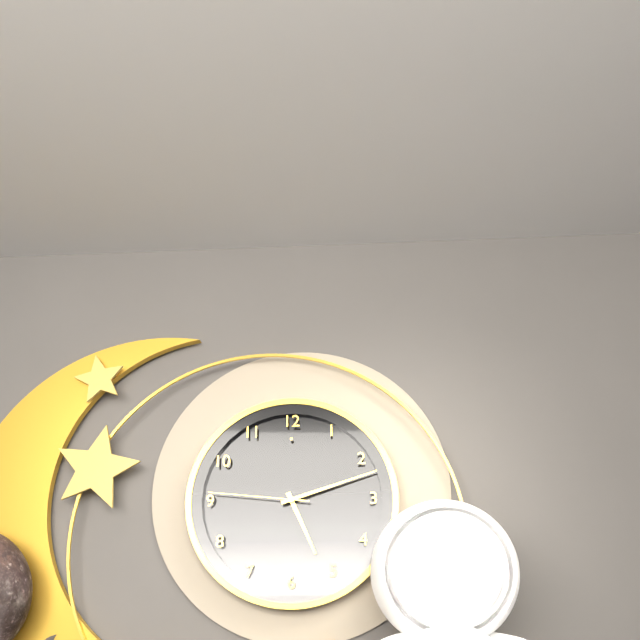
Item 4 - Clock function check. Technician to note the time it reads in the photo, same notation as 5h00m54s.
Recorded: 5h12m46s
